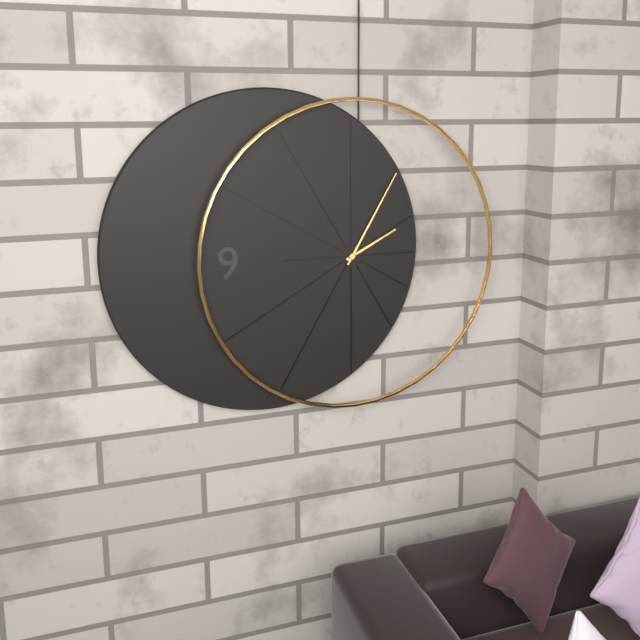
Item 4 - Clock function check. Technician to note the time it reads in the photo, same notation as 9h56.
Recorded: 2h05
